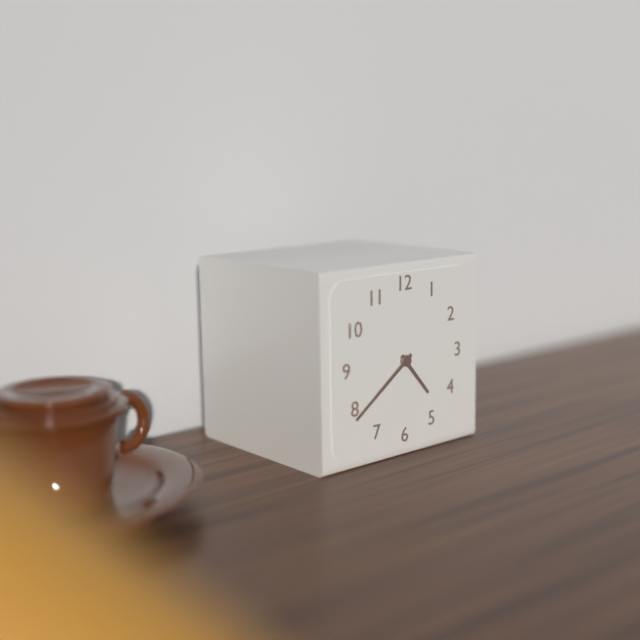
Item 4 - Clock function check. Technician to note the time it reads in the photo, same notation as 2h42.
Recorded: 4h39
